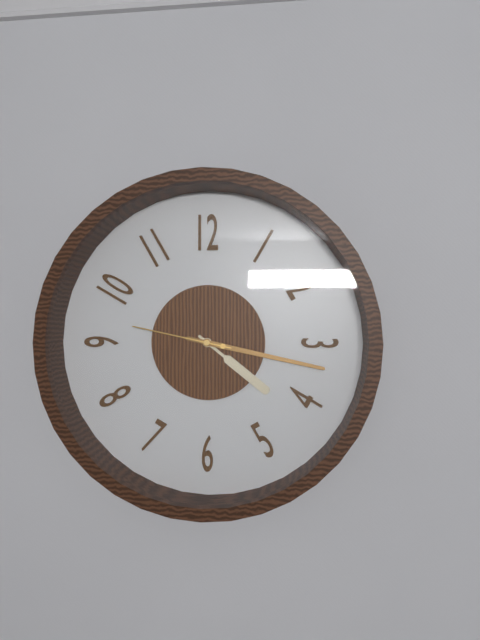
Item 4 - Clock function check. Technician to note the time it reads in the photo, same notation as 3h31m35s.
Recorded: 4h17m47s
